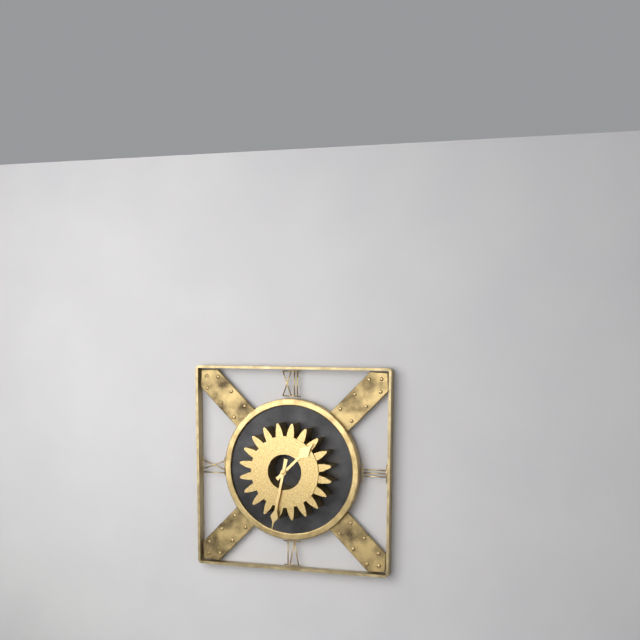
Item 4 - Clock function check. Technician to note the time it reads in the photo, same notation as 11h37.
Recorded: 1h32
